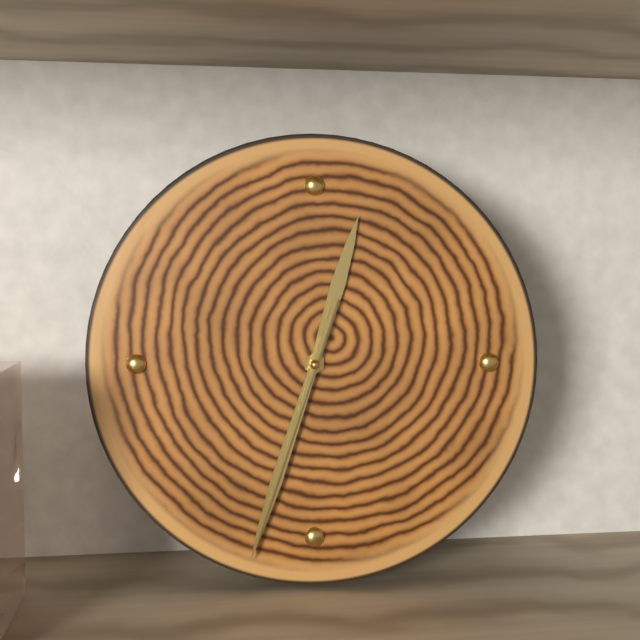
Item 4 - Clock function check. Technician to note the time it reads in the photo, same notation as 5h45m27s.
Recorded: 12h33m33s
